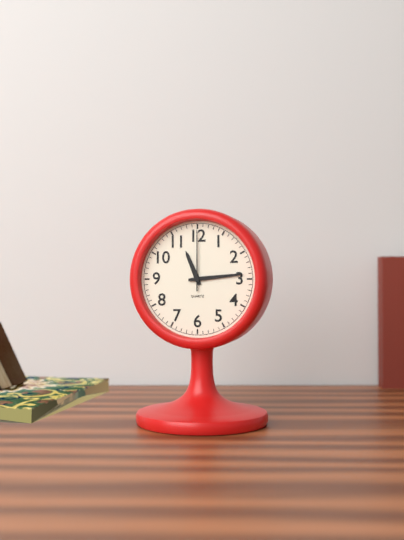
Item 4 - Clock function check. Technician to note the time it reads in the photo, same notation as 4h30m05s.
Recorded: 11h14m00s
